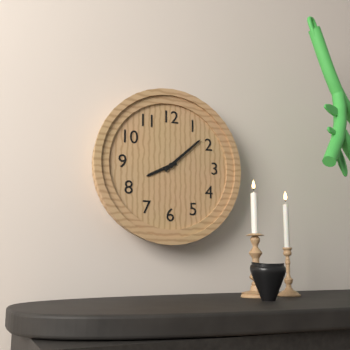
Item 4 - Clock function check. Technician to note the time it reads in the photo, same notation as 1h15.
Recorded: 8h08
